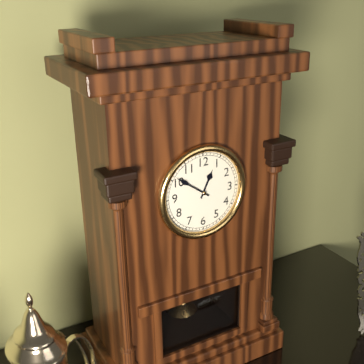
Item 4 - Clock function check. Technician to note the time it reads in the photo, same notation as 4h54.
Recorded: 12h51
